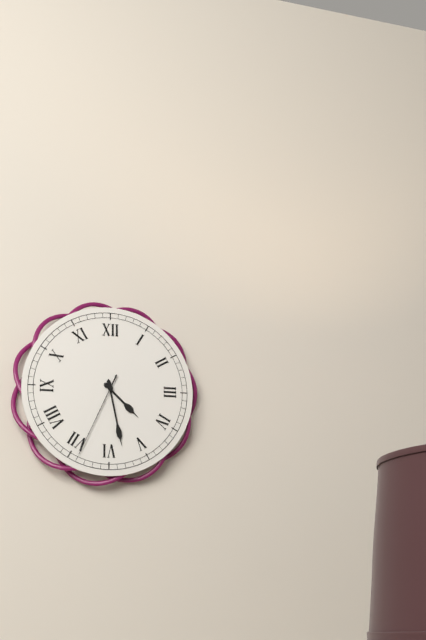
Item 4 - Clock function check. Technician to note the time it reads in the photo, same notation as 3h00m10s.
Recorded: 4h28m34s
